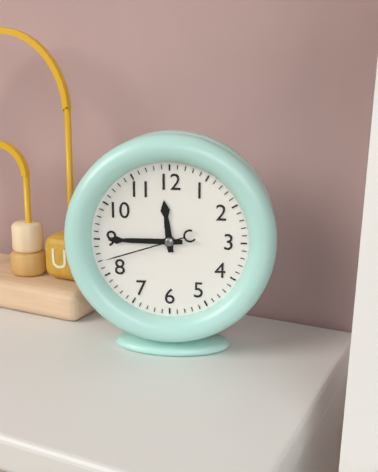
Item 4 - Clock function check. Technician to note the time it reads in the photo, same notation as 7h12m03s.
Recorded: 11h45m42s
